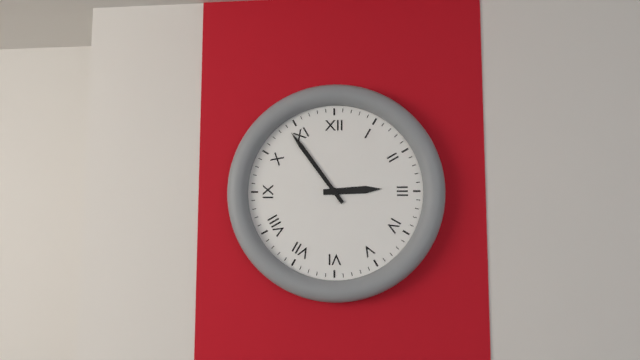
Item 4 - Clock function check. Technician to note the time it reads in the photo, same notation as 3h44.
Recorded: 2h54
